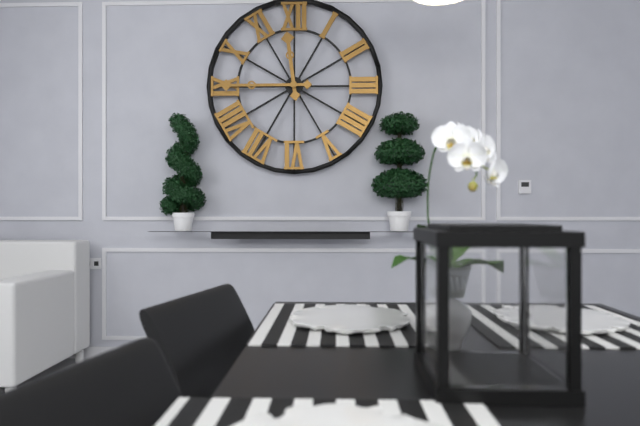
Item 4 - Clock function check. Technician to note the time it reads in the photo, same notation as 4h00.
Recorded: 11h45
